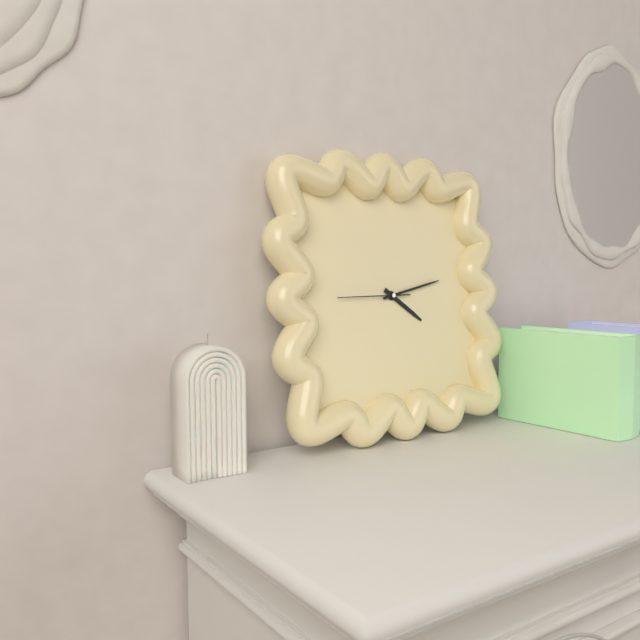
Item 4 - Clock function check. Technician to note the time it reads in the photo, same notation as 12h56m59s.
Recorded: 4h13m45s
